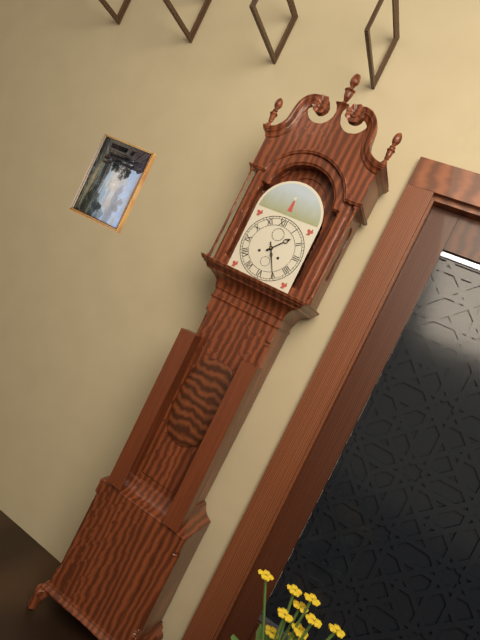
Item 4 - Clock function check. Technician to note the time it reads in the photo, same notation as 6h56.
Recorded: 1h25
